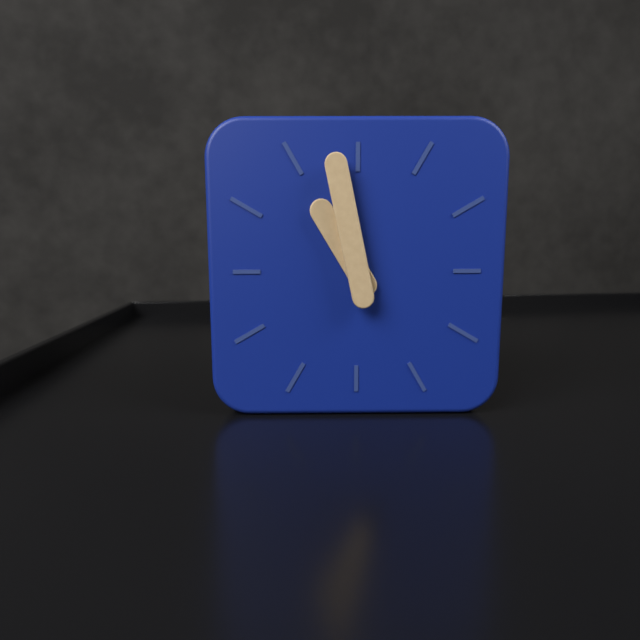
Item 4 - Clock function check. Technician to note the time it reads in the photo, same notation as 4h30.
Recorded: 10h58
